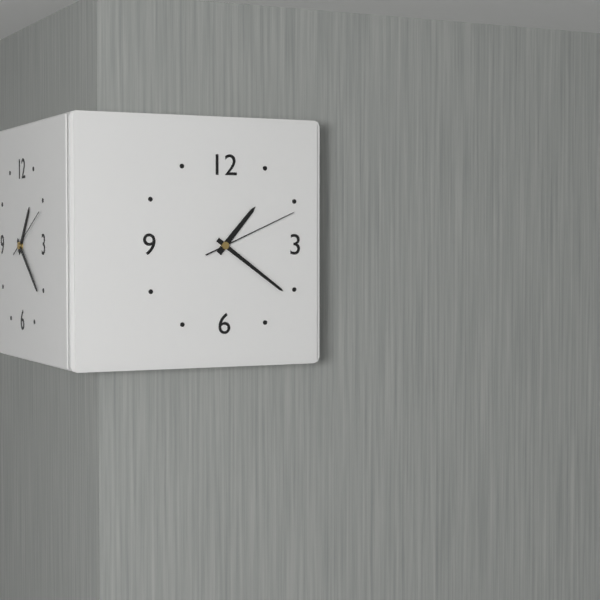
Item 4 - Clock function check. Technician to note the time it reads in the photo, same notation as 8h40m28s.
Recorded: 1h21m11s
